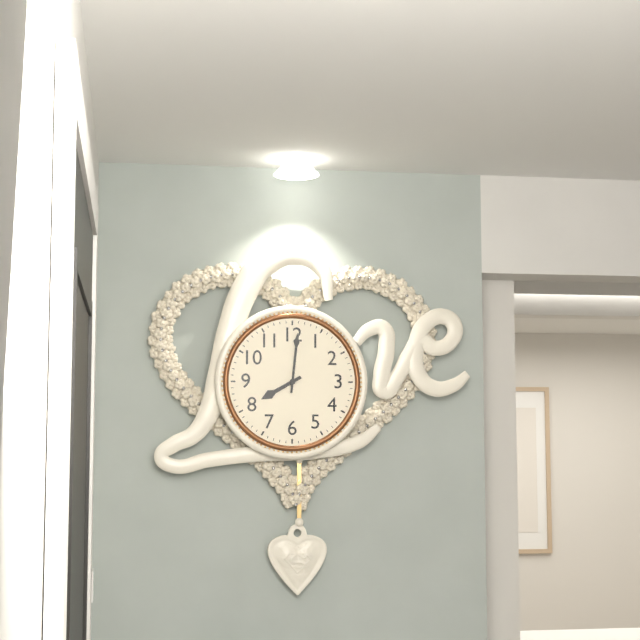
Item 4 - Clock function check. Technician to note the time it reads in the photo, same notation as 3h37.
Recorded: 8h01
